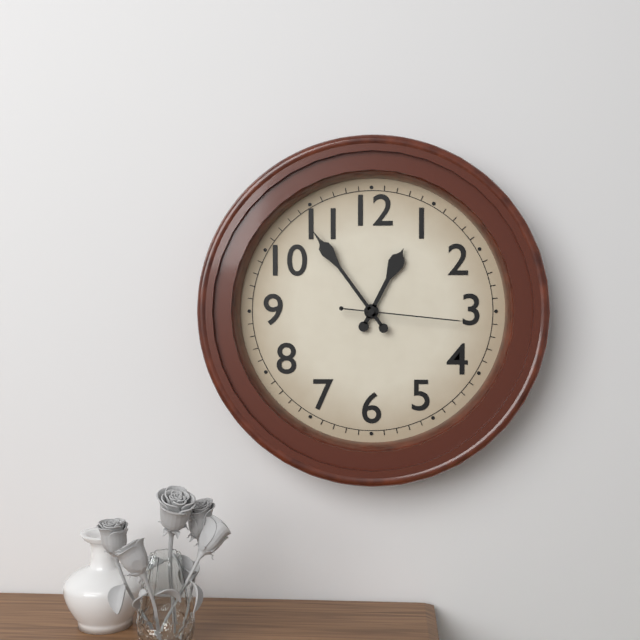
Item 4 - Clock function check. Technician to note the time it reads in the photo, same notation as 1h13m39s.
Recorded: 12h54m16s
